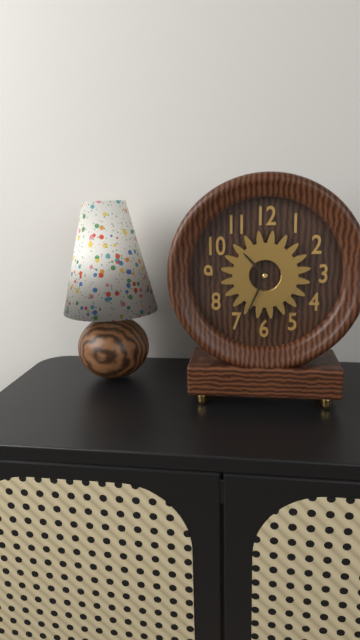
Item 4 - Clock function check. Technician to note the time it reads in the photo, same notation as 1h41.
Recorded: 10h34
